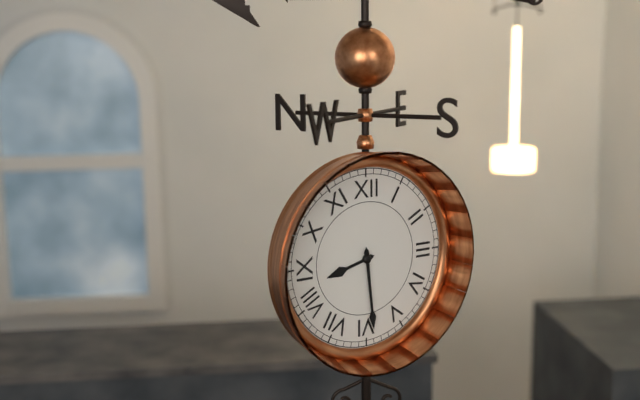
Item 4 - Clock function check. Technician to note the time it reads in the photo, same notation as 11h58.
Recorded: 8h29
